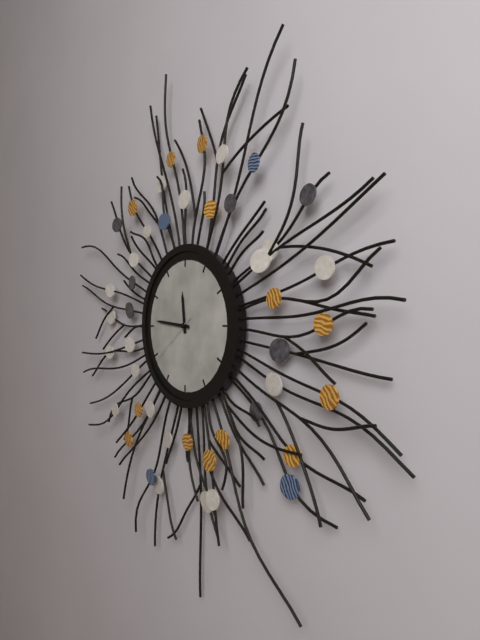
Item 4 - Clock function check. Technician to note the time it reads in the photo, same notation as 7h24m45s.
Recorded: 11h46m39s
